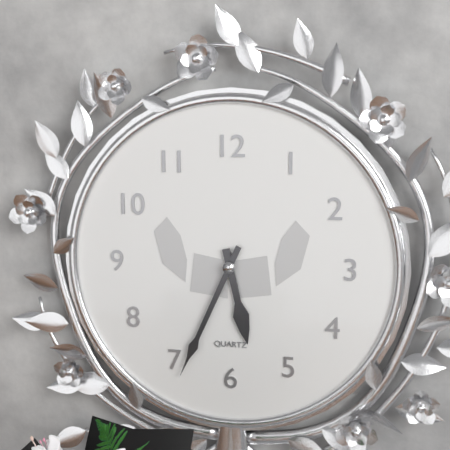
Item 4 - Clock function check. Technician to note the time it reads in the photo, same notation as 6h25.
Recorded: 5h34
